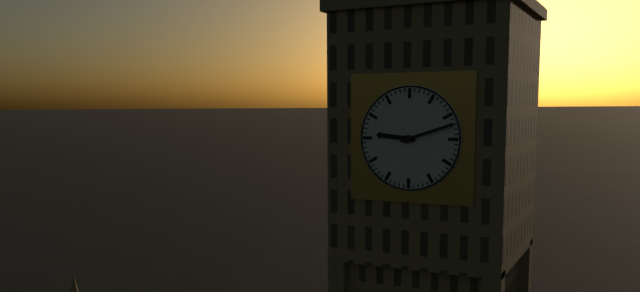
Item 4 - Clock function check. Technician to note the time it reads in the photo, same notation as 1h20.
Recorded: 9h12
